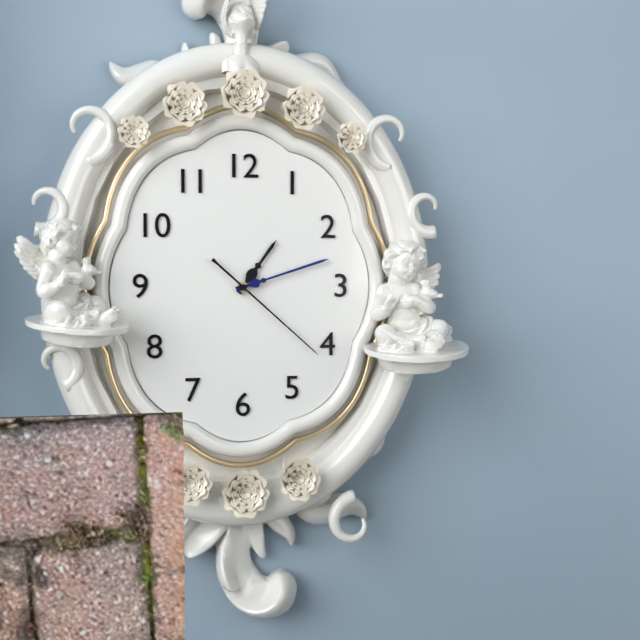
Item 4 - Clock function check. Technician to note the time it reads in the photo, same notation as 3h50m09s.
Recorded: 1h12m22s
